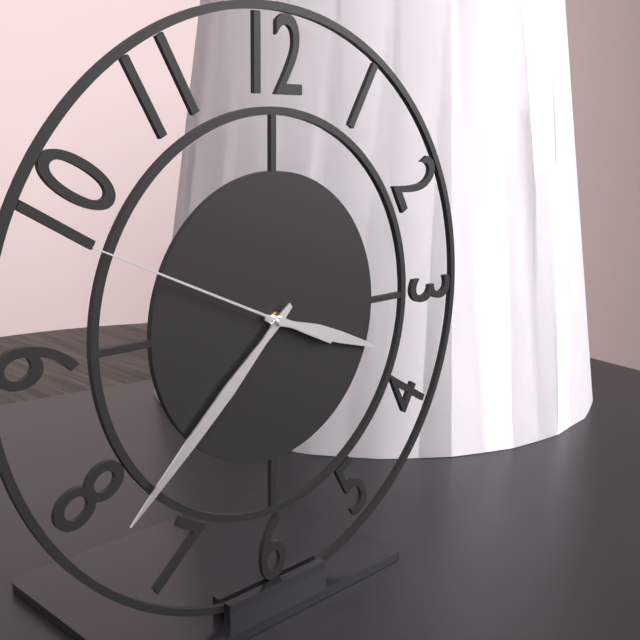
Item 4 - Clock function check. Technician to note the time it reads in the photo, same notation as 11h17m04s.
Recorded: 3h38m49s
